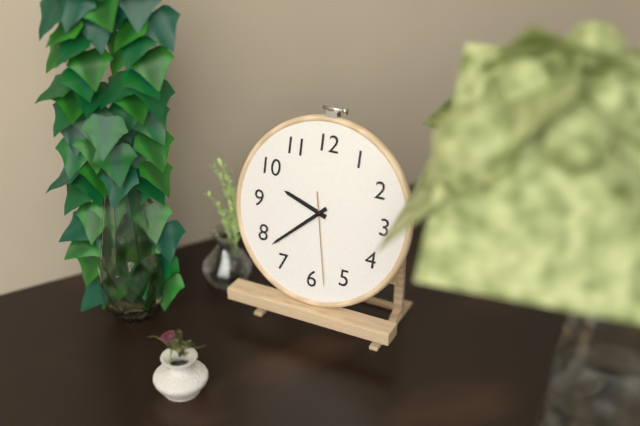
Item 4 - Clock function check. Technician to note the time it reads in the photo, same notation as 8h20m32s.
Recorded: 9h38m28s
